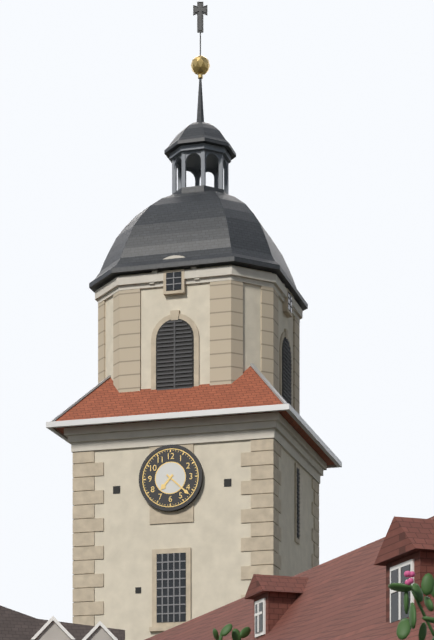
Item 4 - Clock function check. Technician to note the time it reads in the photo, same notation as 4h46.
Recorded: 7h22
